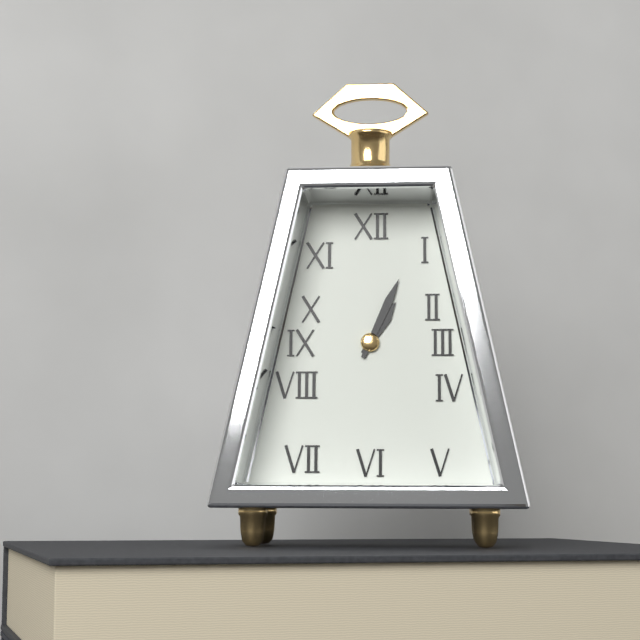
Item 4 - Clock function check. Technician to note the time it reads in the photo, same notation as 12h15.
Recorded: 1h04
